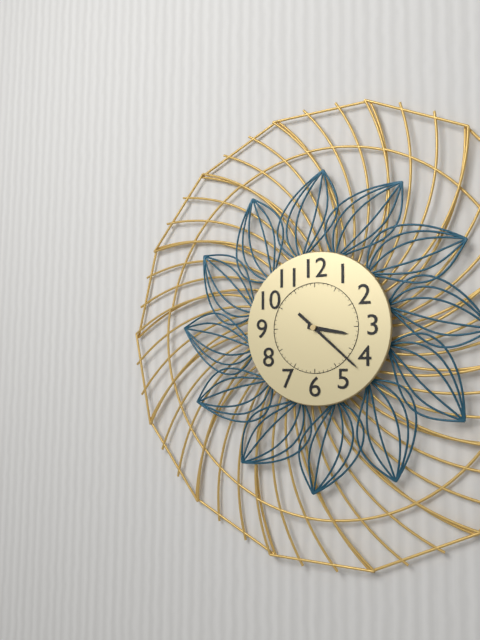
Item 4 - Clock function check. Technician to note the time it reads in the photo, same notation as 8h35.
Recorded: 3h22
